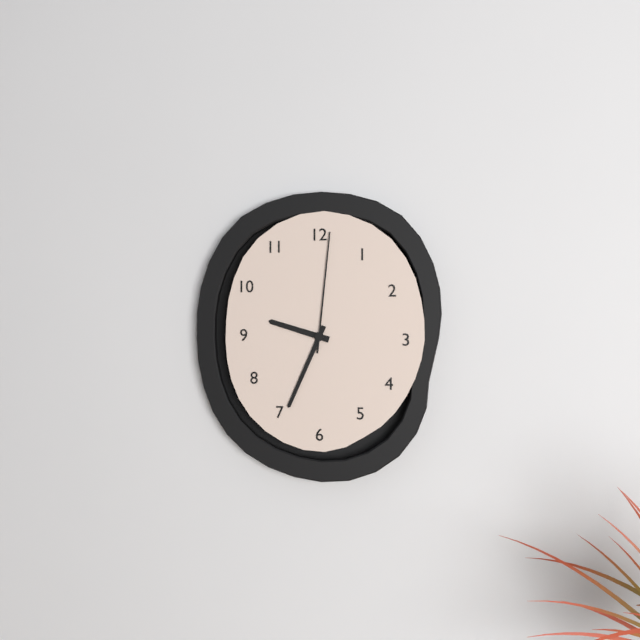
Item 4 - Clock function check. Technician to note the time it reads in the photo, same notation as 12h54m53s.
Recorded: 9h34m01s
